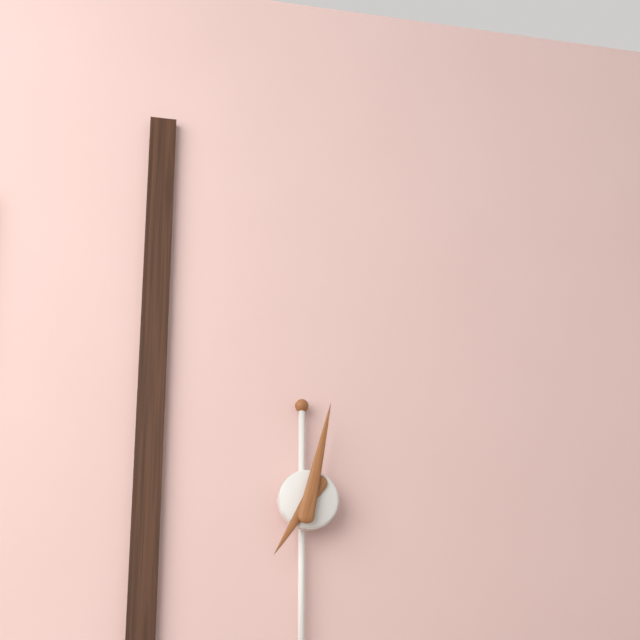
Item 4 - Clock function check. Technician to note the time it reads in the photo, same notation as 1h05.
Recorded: 7h02
